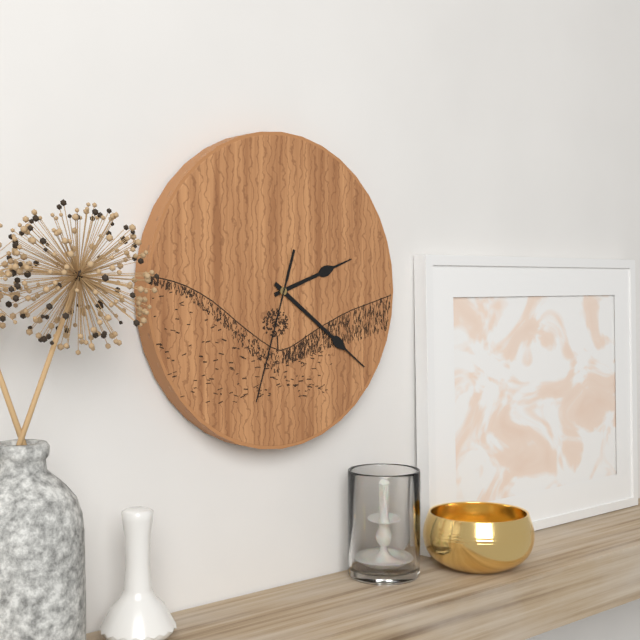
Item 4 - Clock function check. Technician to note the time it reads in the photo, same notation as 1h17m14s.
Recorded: 2h21m33s
